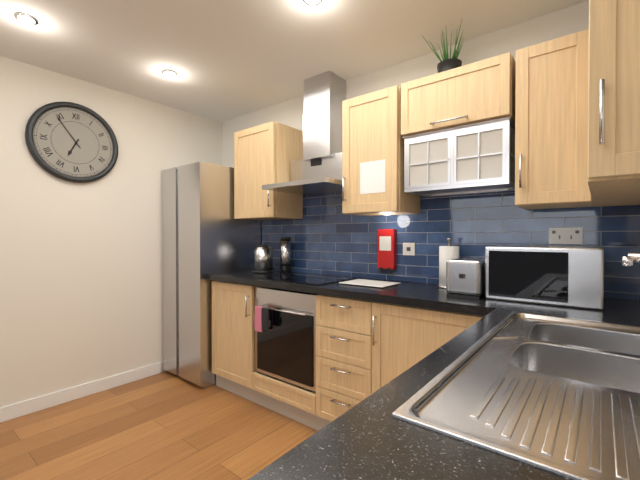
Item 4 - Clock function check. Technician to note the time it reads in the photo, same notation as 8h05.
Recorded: 6h54
